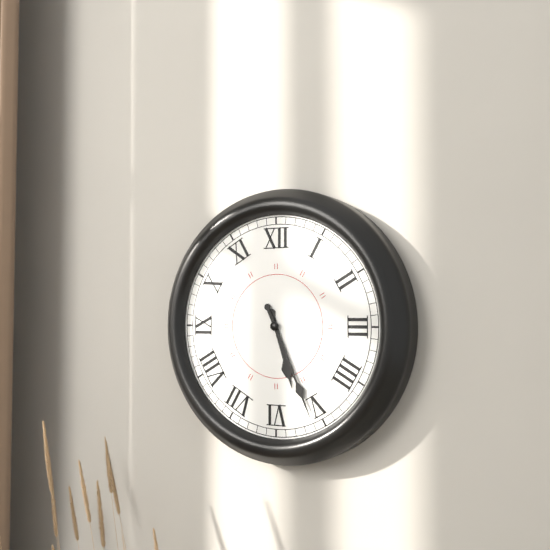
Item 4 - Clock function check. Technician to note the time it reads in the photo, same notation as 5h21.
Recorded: 5h26
